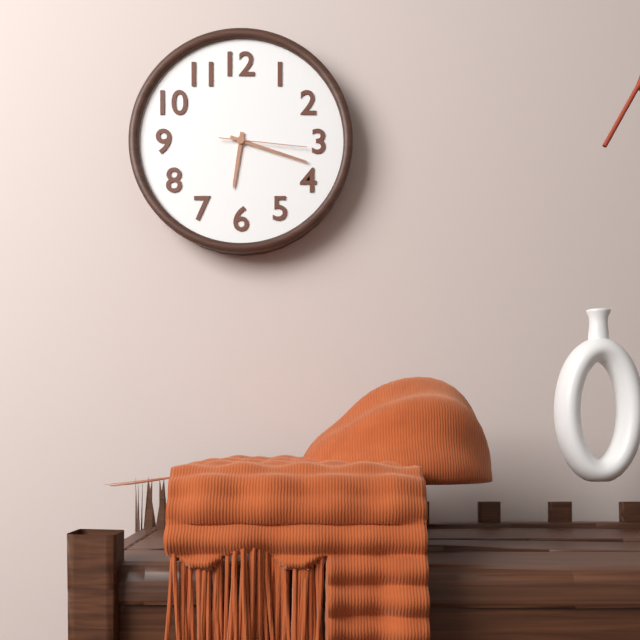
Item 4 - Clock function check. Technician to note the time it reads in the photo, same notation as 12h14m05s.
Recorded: 6h18m16s
